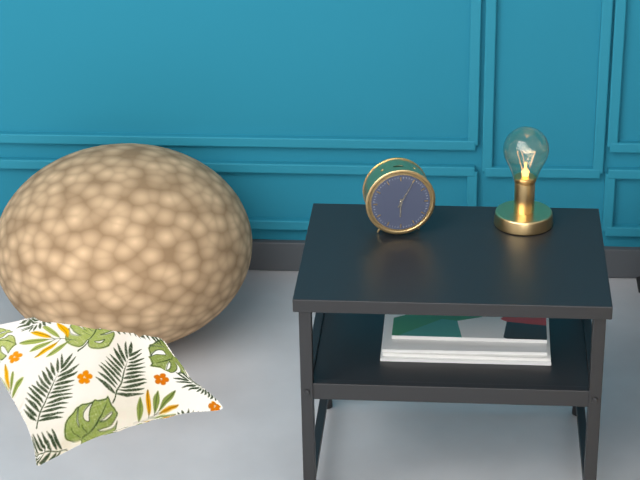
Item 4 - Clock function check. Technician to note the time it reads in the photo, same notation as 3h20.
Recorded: 6h05
